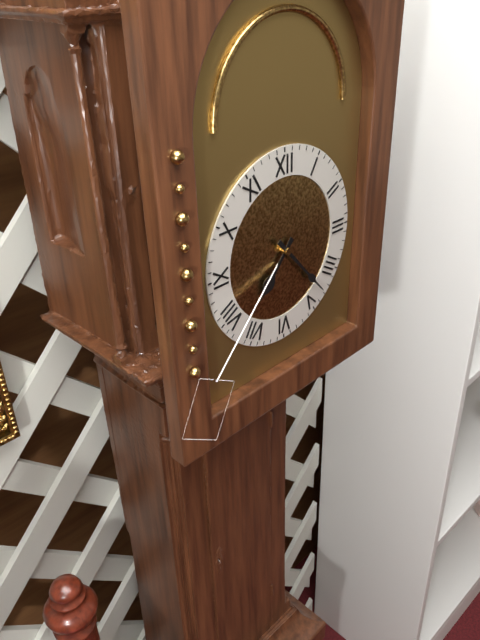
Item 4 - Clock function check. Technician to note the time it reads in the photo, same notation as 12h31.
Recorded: 7h23
